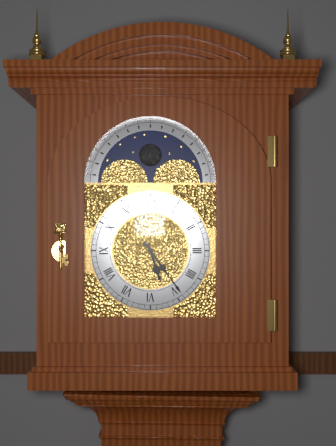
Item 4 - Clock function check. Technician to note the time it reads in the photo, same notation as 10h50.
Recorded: 5h24
